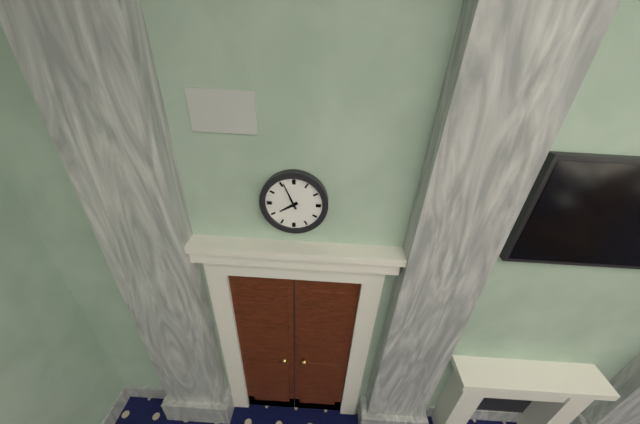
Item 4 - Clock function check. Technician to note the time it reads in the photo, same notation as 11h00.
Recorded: 7h56
